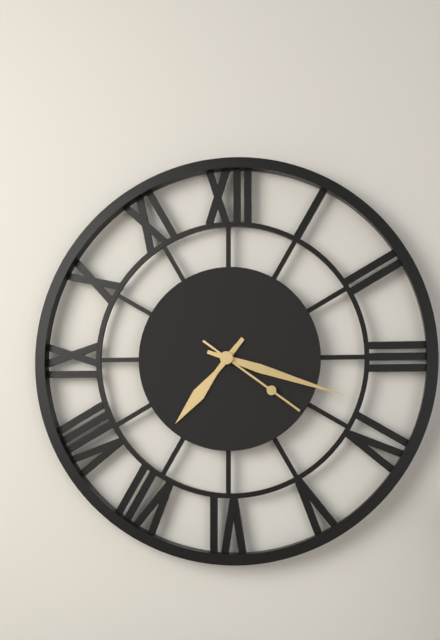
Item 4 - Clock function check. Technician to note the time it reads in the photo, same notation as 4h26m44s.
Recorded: 7h18m21s
